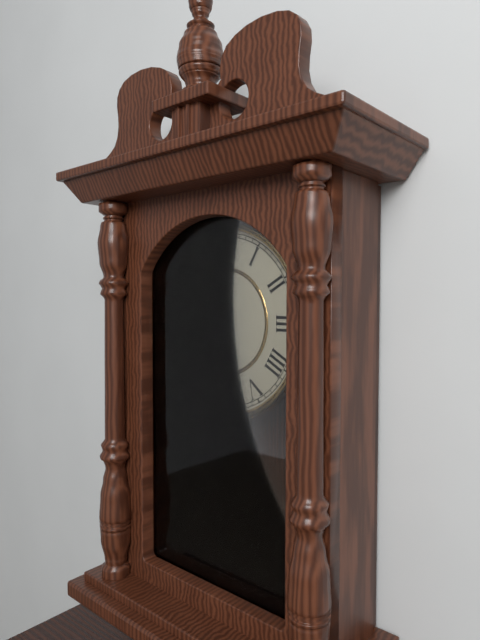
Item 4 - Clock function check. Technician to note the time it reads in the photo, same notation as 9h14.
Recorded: 6h36
